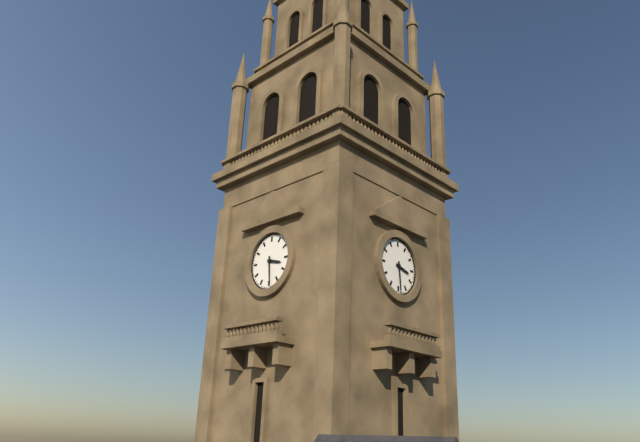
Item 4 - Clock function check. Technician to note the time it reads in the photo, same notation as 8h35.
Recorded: 3h29
